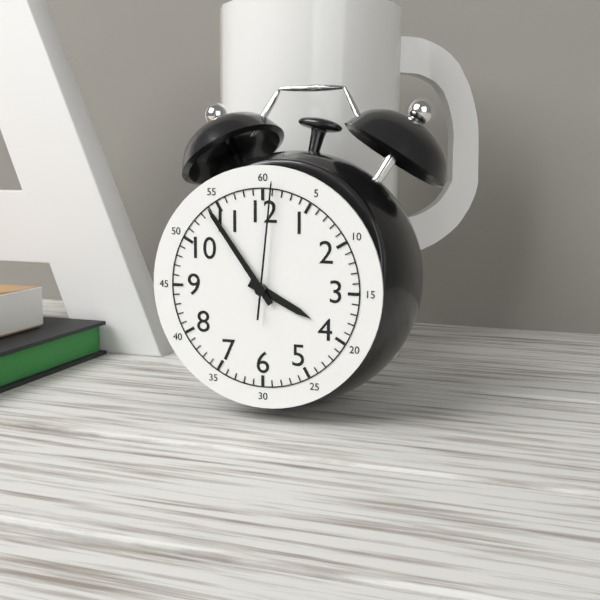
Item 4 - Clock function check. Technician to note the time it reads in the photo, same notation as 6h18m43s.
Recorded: 3h54m01s
